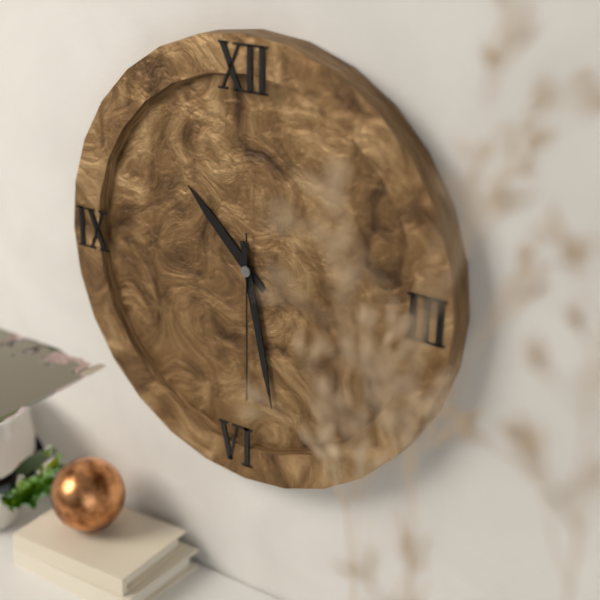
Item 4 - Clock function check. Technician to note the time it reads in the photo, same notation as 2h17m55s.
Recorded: 10h28m30s
